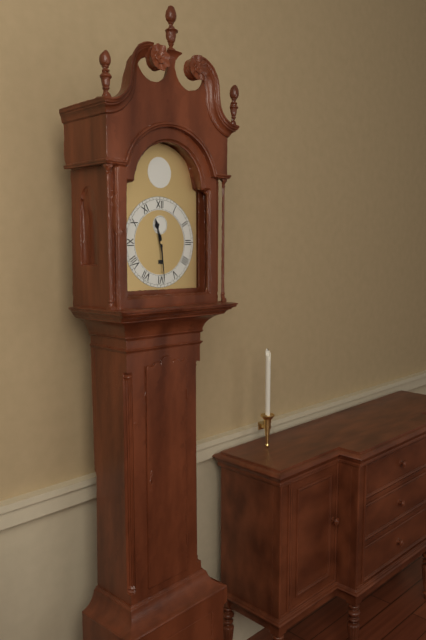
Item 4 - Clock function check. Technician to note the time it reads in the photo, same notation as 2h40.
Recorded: 11h29
